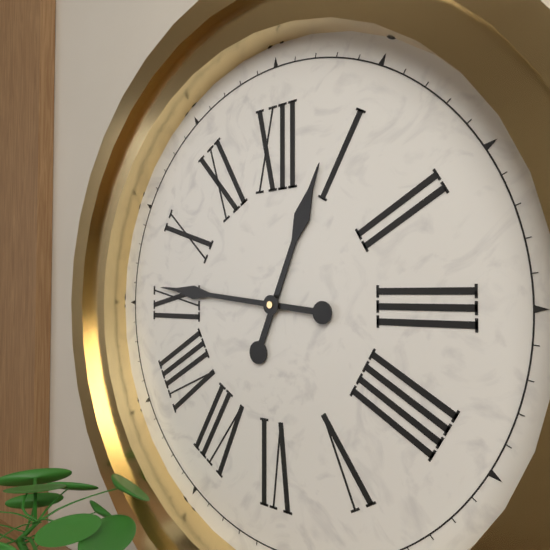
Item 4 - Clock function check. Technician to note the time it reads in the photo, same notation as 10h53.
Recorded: 12h46
